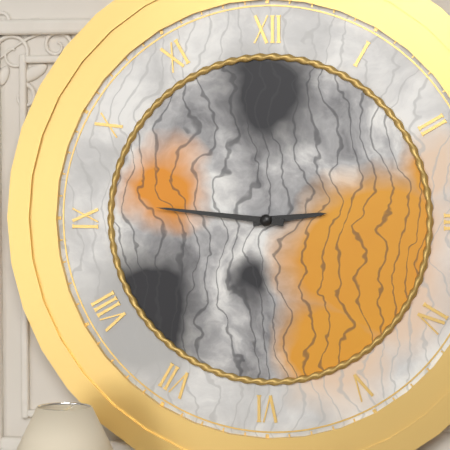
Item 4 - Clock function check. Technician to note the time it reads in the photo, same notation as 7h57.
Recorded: 2h46
